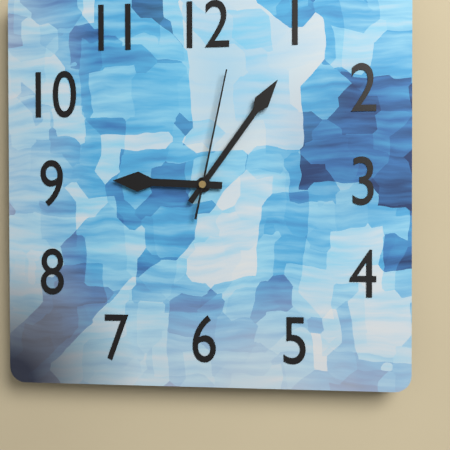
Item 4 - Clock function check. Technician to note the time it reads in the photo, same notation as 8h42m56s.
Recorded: 9h06m02s
